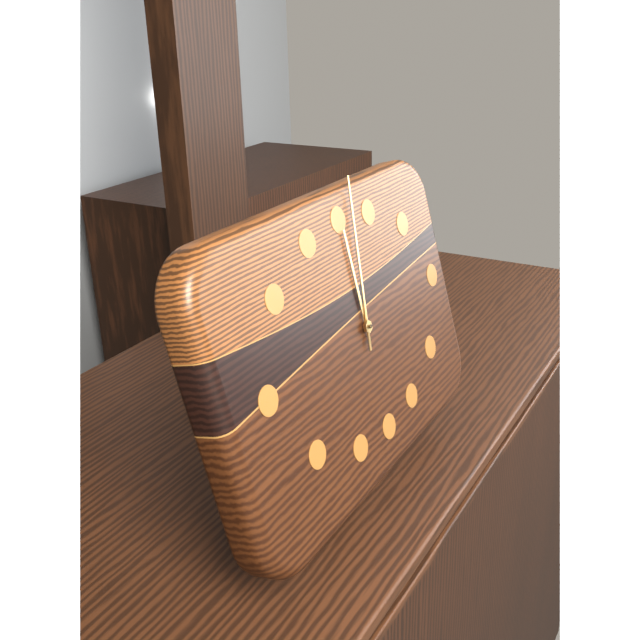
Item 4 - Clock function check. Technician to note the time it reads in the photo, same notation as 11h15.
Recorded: 12h02
